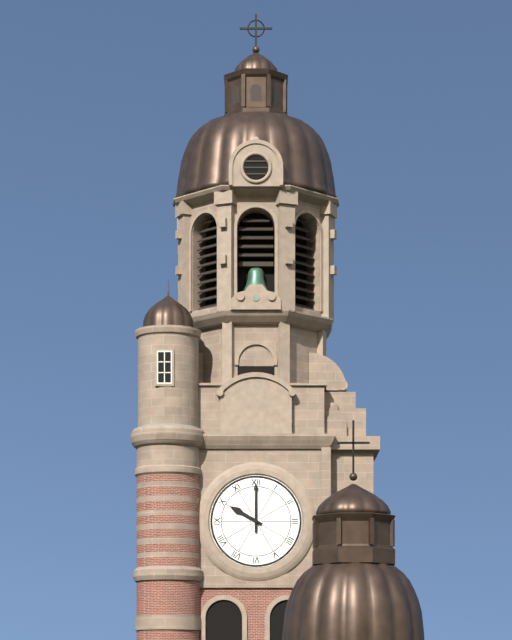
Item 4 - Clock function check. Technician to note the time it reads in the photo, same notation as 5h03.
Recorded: 10h00
